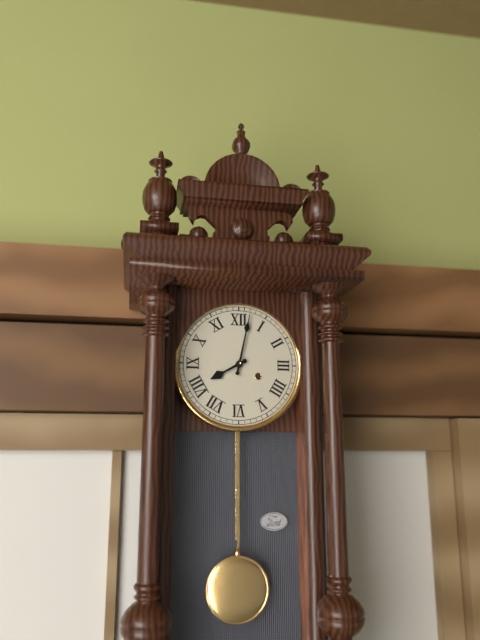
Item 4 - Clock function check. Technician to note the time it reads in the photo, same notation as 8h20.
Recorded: 8h02
